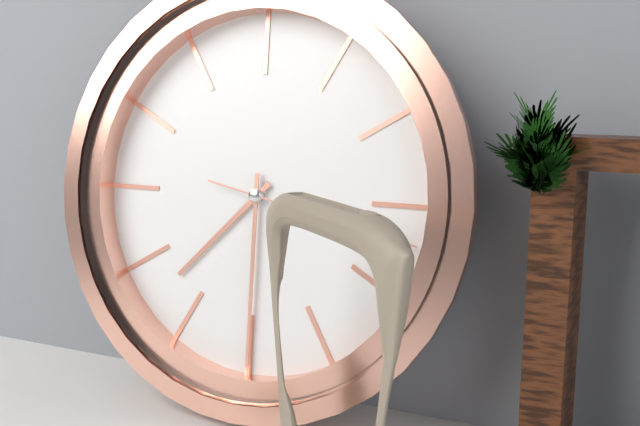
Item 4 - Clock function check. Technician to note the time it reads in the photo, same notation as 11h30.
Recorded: 7h30
